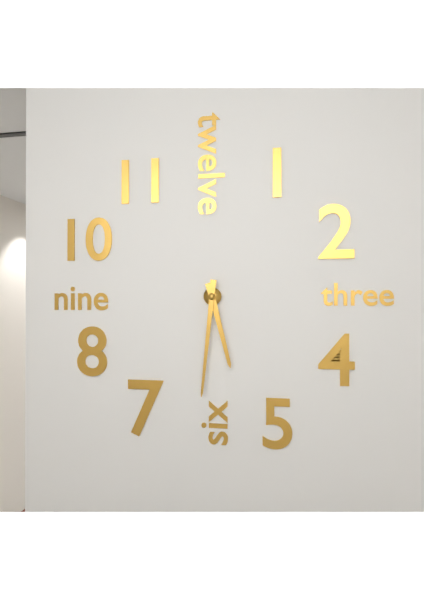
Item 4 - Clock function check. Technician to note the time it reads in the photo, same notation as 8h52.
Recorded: 5h31
